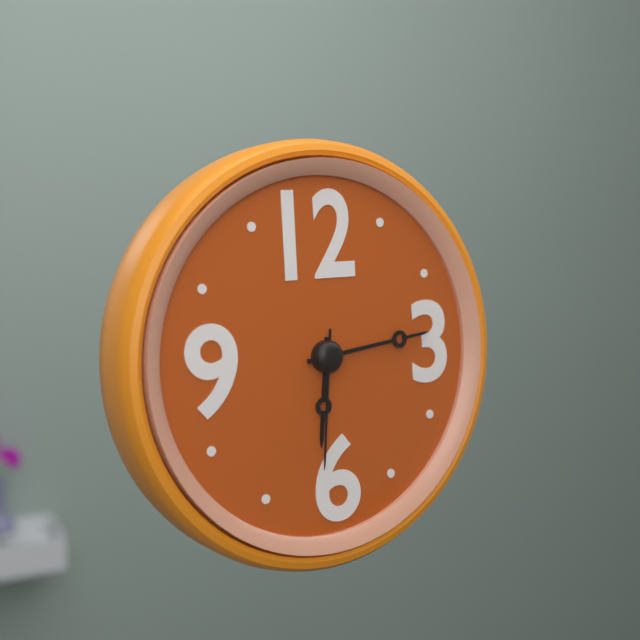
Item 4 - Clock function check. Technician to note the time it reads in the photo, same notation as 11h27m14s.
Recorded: 6h14m31s
